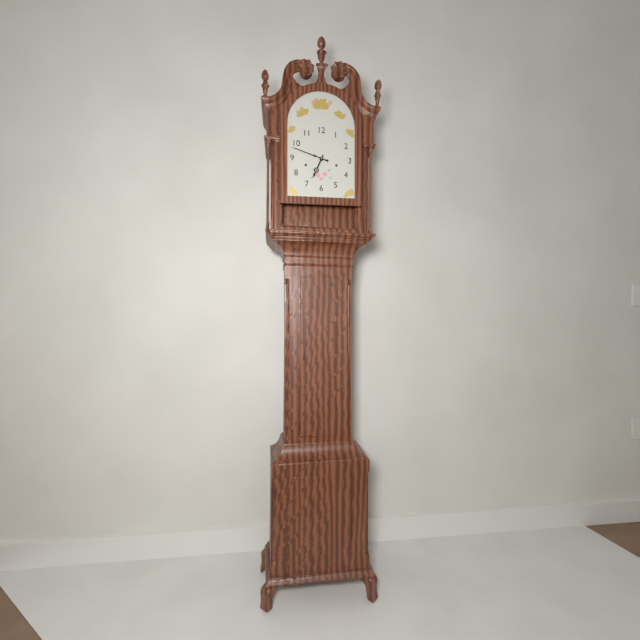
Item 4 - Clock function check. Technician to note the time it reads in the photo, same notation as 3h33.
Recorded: 6h48
